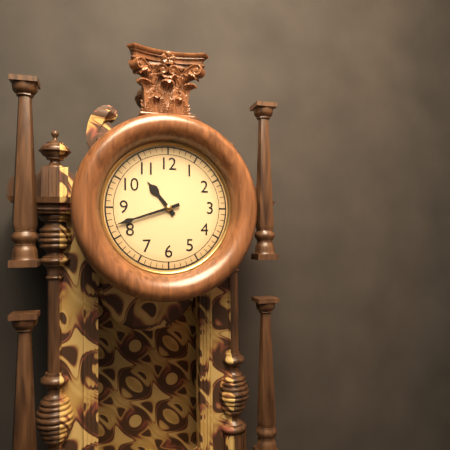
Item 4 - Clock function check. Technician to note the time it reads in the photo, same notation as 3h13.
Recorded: 10h42
